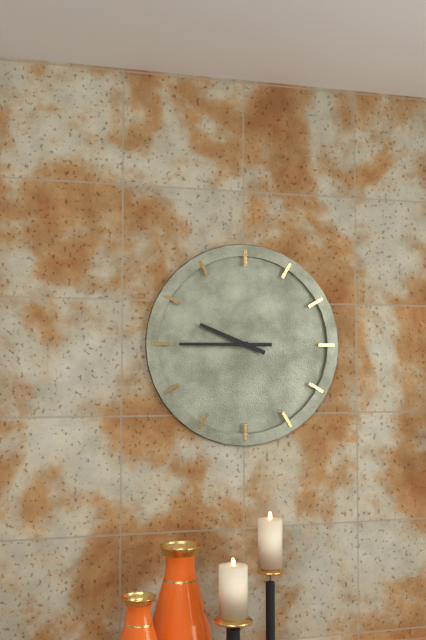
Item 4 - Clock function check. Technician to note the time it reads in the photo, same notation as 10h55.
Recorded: 9h45
